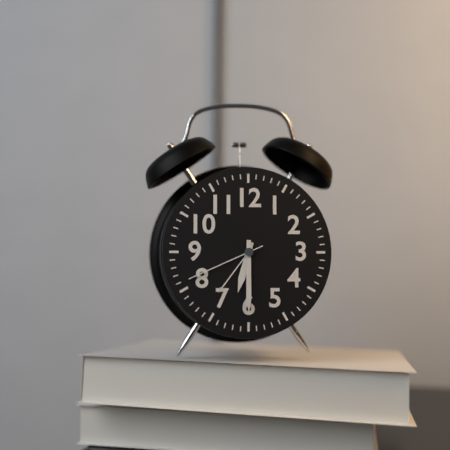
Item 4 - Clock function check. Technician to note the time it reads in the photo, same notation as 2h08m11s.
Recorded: 6h30m41s
